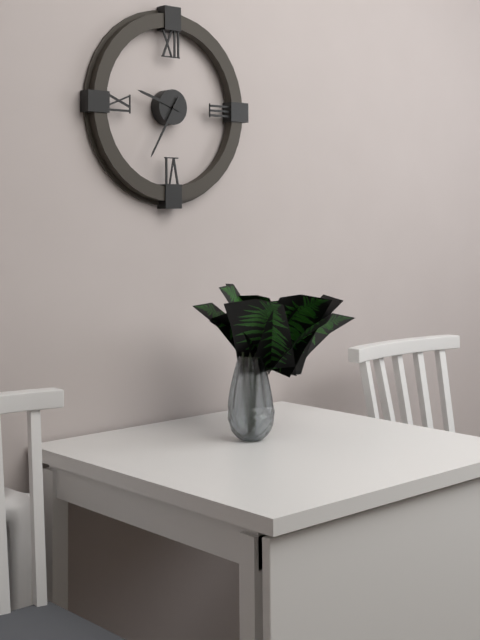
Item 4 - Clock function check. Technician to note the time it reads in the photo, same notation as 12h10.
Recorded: 9h35
